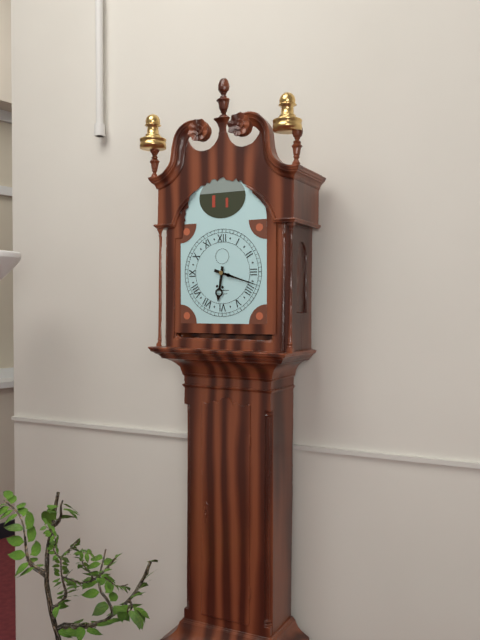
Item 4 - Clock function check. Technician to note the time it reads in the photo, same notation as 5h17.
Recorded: 6h18
